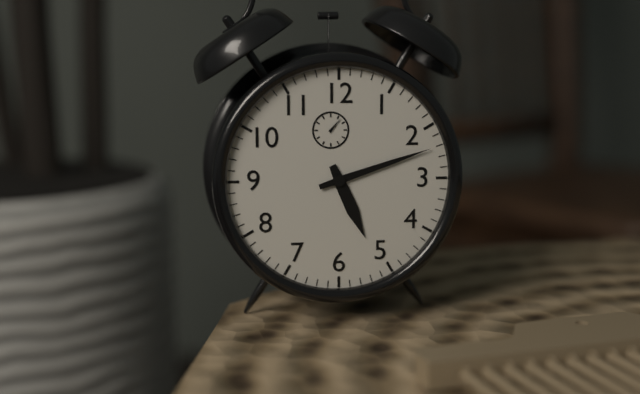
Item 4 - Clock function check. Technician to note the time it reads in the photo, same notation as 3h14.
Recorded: 5h12
